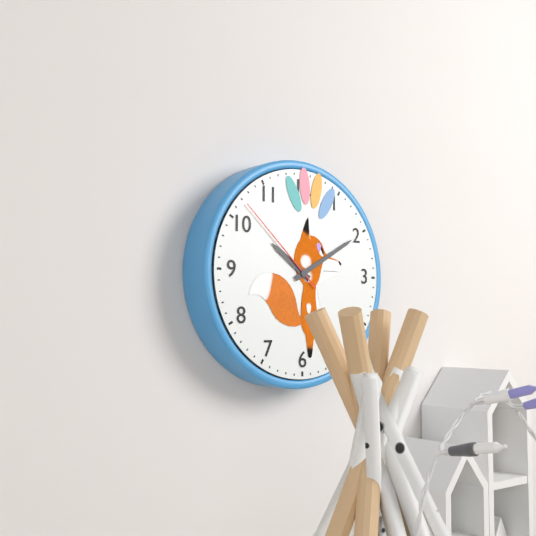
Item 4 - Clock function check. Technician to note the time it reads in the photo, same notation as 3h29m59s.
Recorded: 10h10m52s
